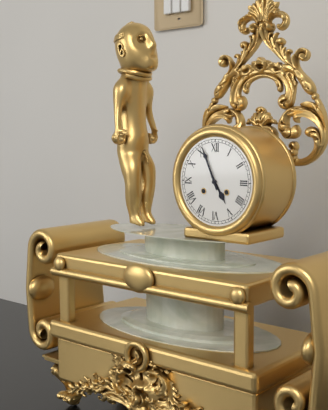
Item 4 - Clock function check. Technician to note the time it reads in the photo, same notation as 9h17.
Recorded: 4h56
